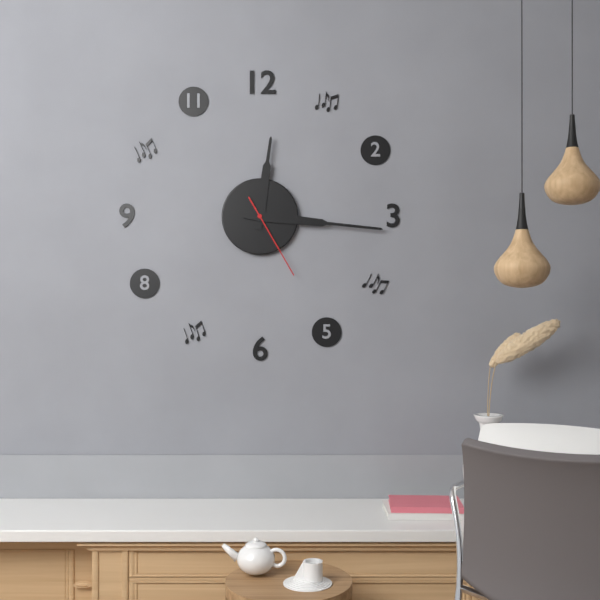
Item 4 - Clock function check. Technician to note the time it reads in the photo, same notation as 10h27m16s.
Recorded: 12h16m25s
